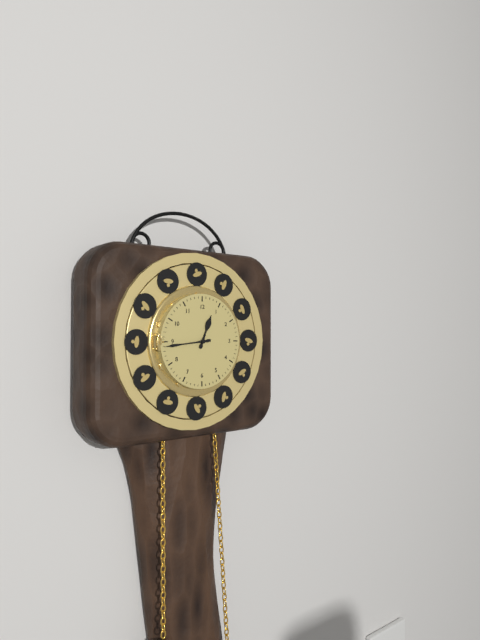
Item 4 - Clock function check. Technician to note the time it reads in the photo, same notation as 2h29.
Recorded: 12h44
